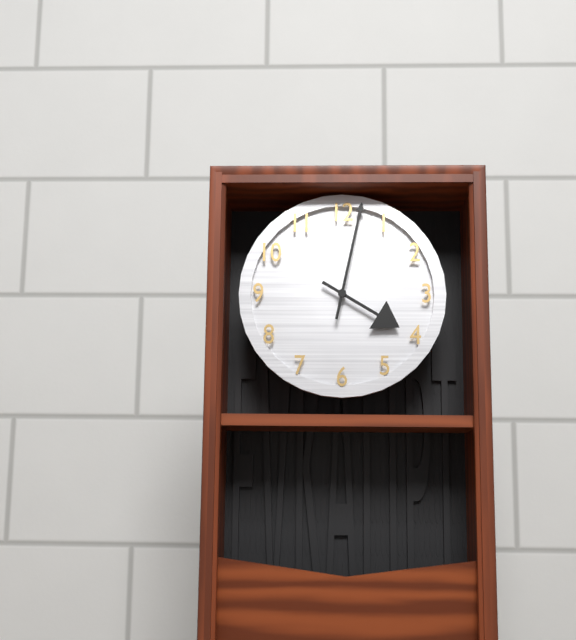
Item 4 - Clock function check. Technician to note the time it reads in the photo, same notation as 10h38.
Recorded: 4h02
